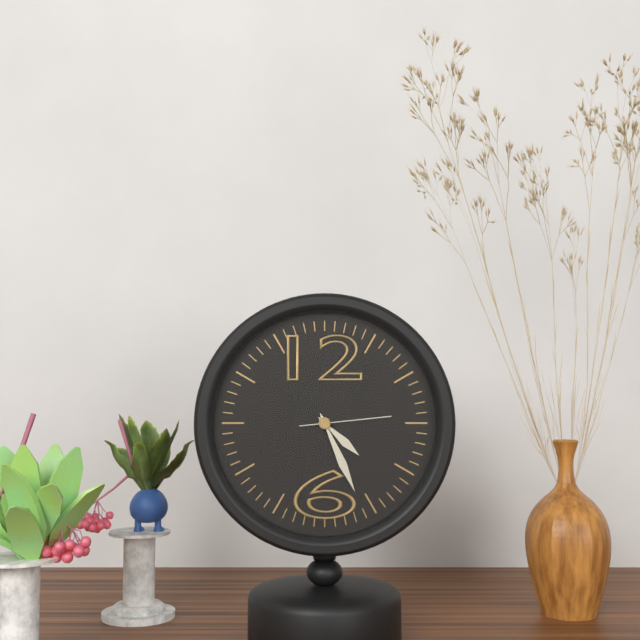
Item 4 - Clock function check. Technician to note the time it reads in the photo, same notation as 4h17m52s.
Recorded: 4h26m14s
